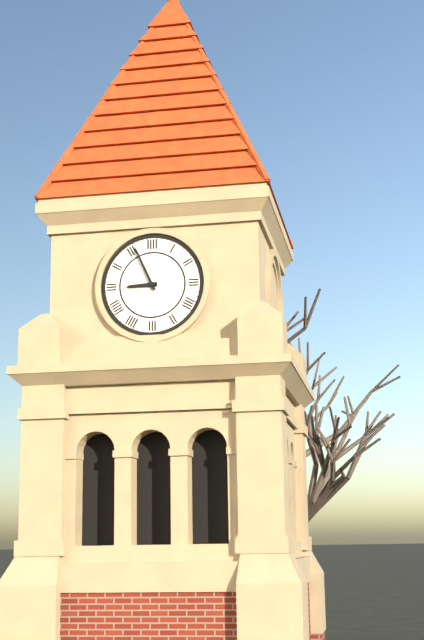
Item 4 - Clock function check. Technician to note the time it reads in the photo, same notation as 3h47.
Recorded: 8h56
